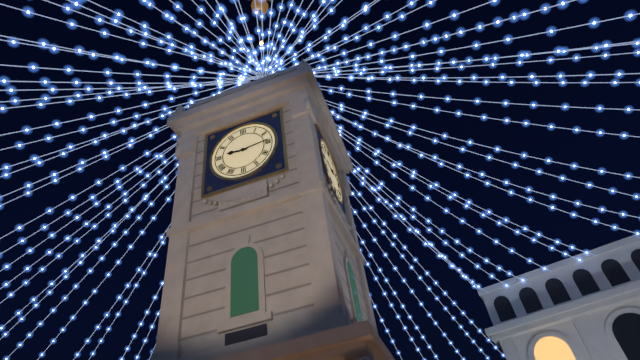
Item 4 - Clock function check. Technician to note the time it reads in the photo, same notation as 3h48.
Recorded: 9h14
